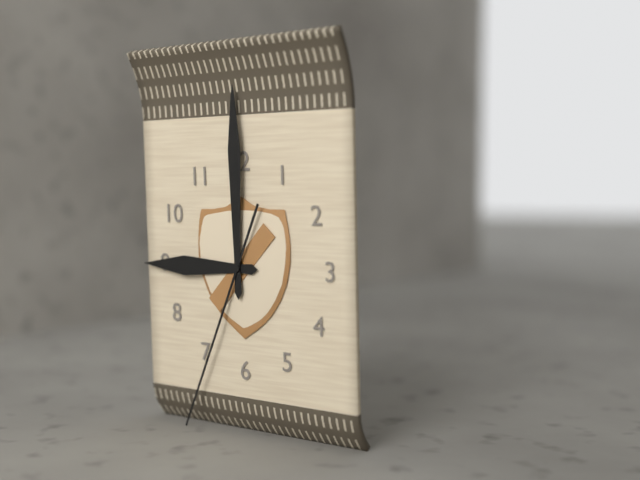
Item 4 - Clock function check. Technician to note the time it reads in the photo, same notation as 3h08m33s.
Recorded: 9h00m34s
